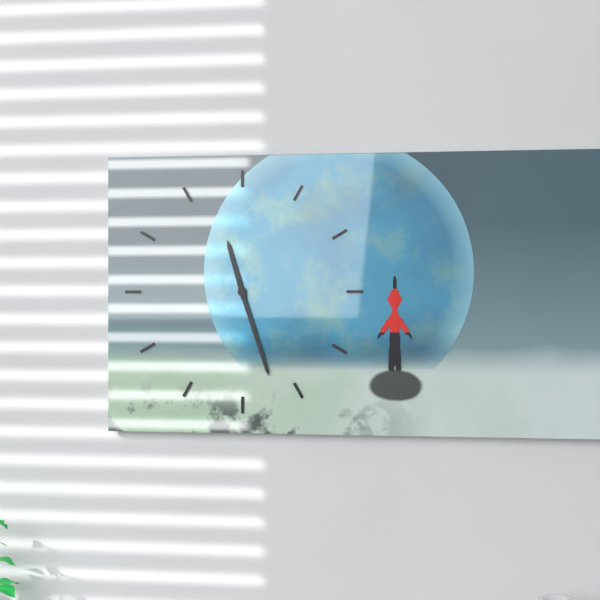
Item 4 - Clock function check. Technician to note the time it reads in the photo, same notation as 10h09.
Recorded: 11h27
